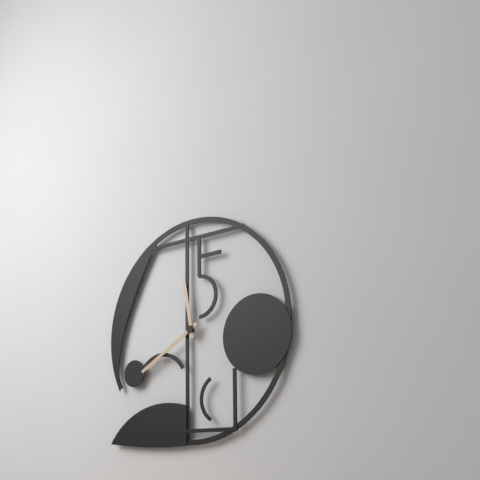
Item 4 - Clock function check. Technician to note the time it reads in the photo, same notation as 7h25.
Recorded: 11h40
